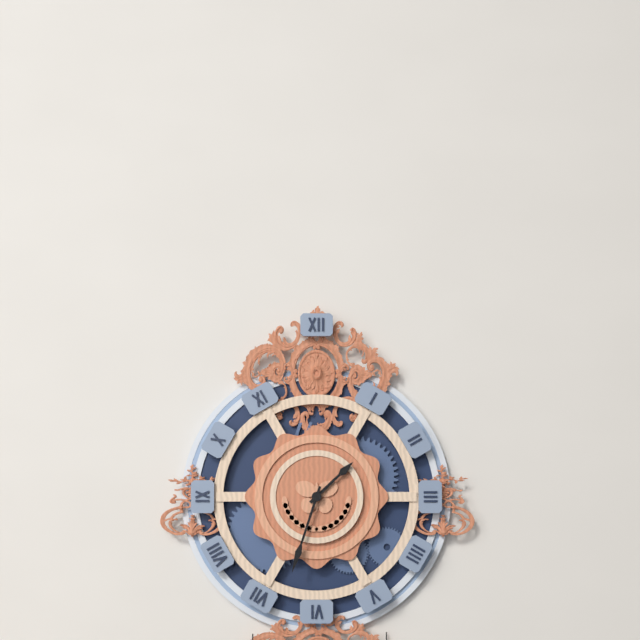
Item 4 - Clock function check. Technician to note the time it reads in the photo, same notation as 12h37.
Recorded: 1h33
